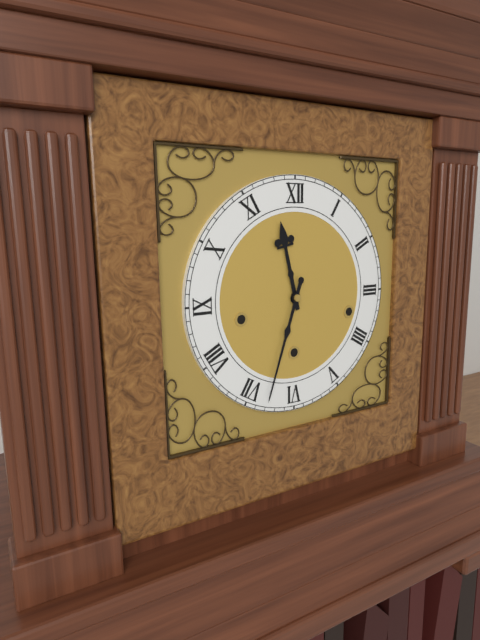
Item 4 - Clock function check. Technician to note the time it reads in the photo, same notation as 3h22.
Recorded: 11h33
